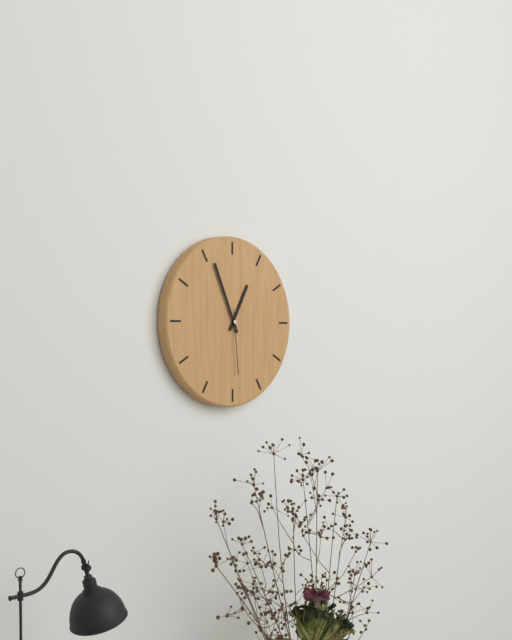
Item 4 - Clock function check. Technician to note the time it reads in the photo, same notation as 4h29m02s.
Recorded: 12h56m29s
